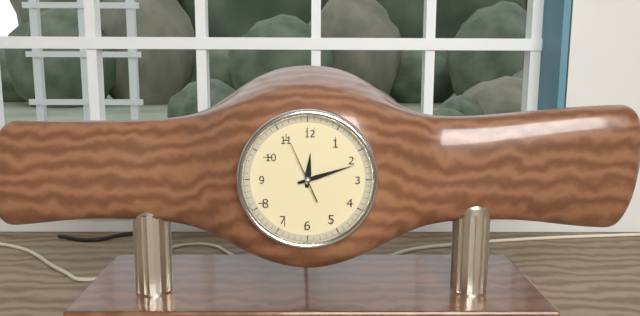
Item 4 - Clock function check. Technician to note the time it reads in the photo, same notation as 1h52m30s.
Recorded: 12h12m56s
